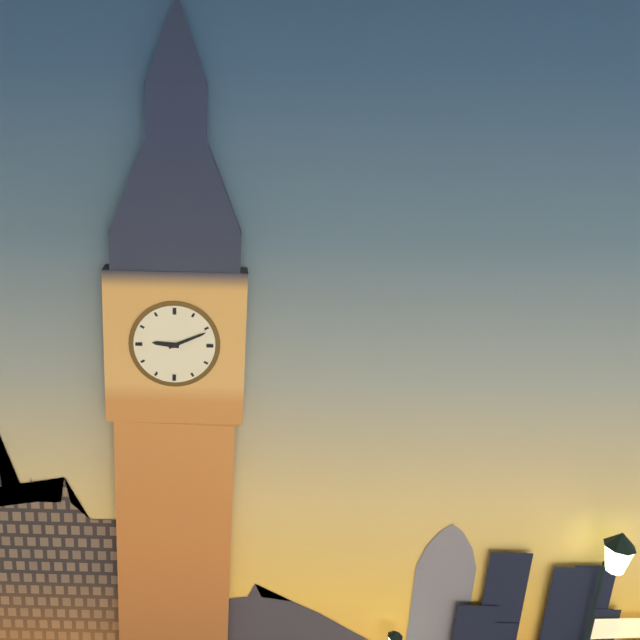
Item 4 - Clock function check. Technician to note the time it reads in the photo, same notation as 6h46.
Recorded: 9h11
